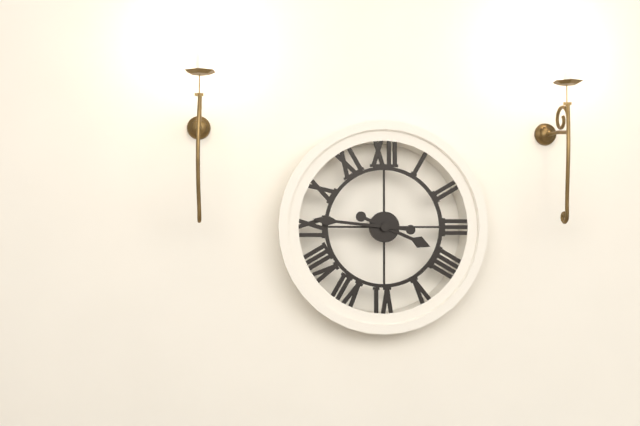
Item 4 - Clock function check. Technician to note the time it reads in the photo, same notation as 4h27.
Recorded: 3h46
